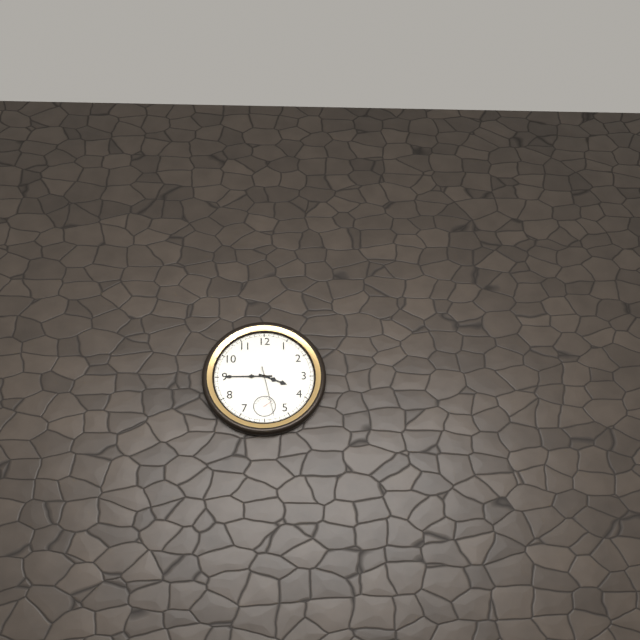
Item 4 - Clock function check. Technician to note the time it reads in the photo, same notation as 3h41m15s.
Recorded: 3h45m28s
